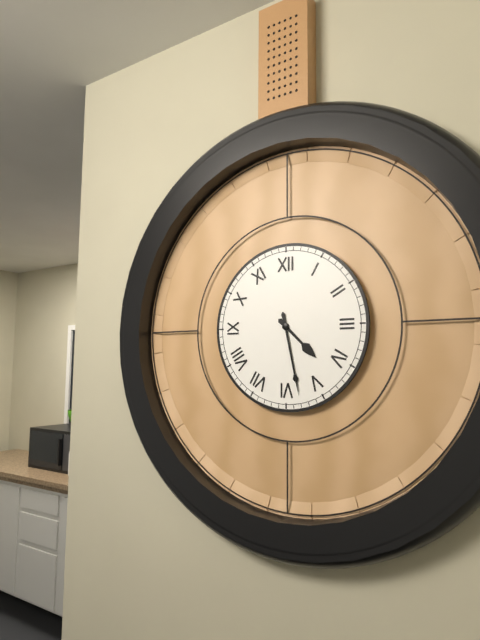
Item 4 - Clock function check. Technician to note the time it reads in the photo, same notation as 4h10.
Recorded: 4h28
